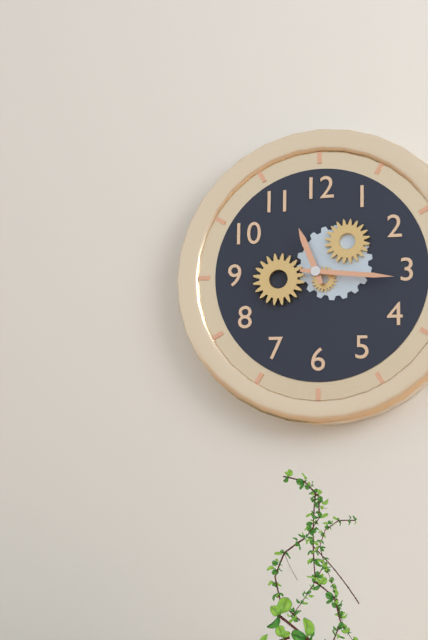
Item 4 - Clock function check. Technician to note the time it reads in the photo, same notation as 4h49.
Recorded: 11h16
